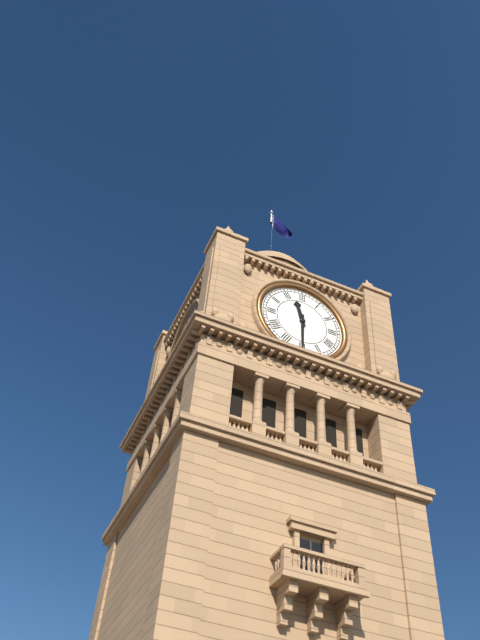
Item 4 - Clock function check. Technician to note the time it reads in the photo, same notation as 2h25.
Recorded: 11h30
